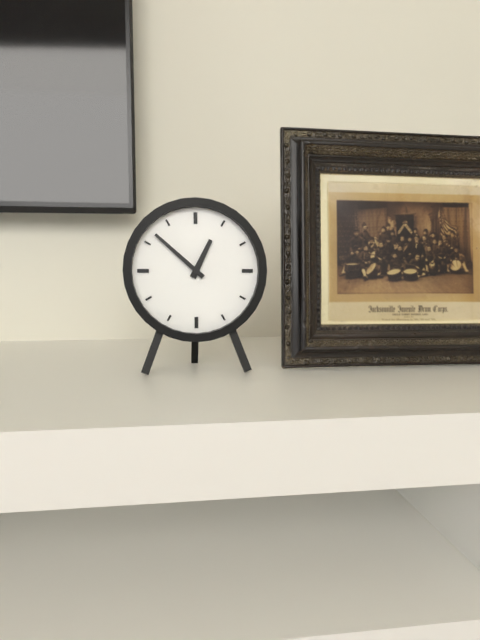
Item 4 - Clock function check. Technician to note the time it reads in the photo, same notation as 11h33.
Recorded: 12h52
